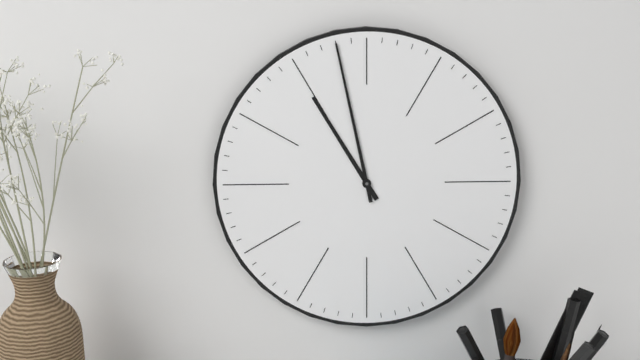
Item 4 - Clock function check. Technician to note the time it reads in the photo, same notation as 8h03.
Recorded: 10h58
